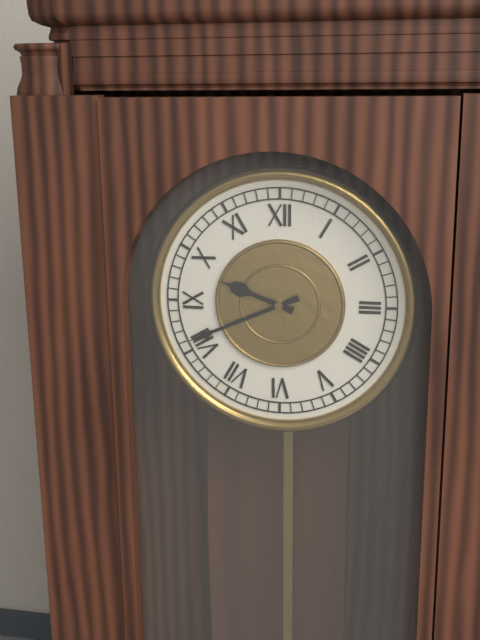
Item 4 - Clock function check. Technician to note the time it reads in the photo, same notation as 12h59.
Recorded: 9h41
